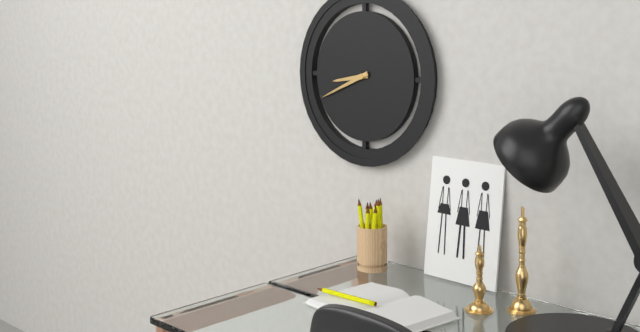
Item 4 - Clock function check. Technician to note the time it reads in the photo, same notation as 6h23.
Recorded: 8h41
